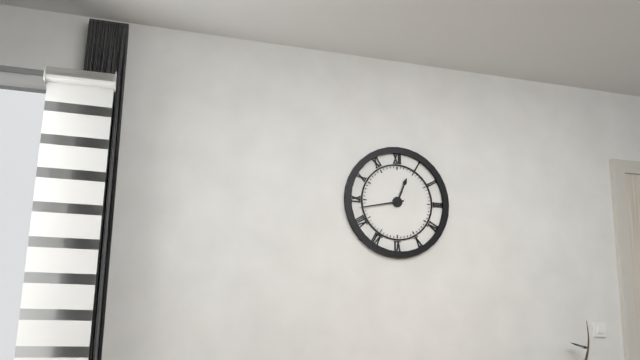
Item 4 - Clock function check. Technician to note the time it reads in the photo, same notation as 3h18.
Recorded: 12h43
